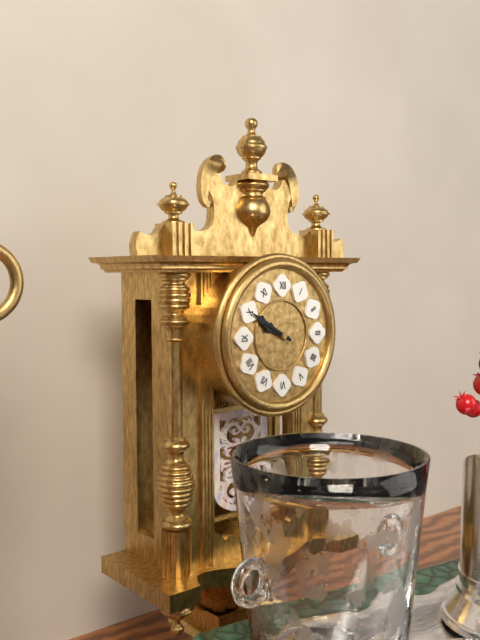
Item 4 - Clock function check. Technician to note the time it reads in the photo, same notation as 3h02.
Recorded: 9h50
